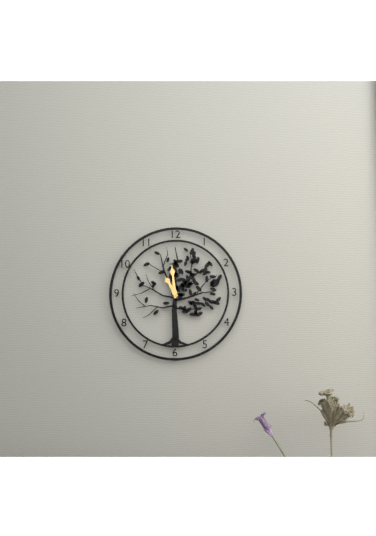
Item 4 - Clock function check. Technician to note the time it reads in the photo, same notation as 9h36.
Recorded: 10h59
